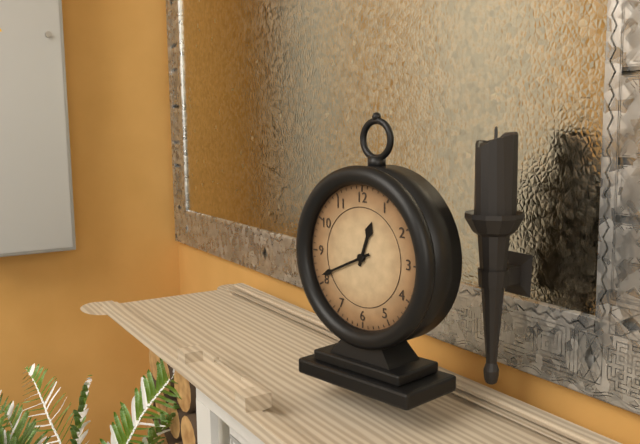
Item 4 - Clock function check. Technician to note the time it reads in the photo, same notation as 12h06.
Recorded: 12h41
